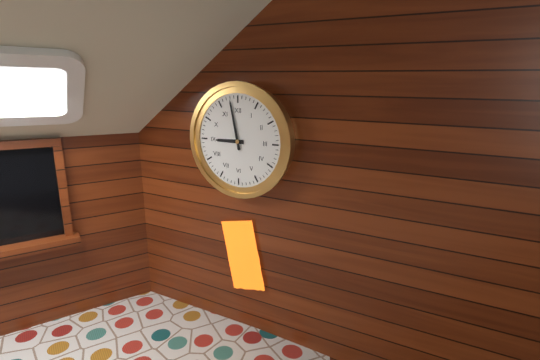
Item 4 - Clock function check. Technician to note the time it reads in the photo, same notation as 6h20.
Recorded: 8h58
